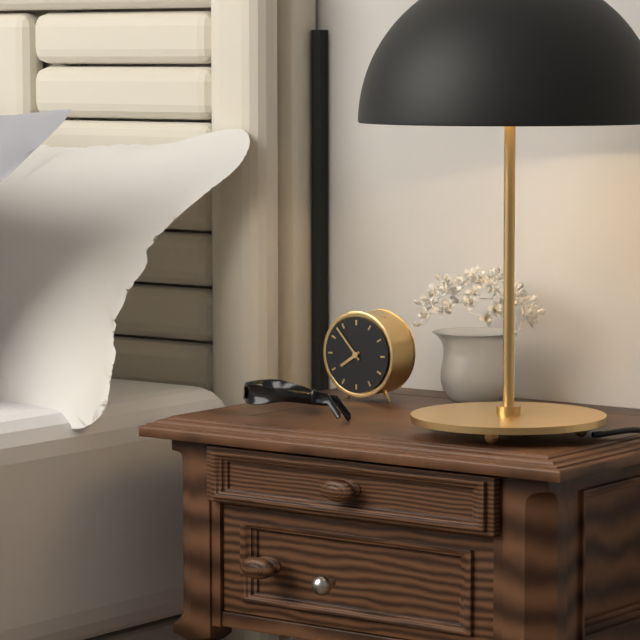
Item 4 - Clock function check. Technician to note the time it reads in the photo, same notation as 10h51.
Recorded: 7h53
